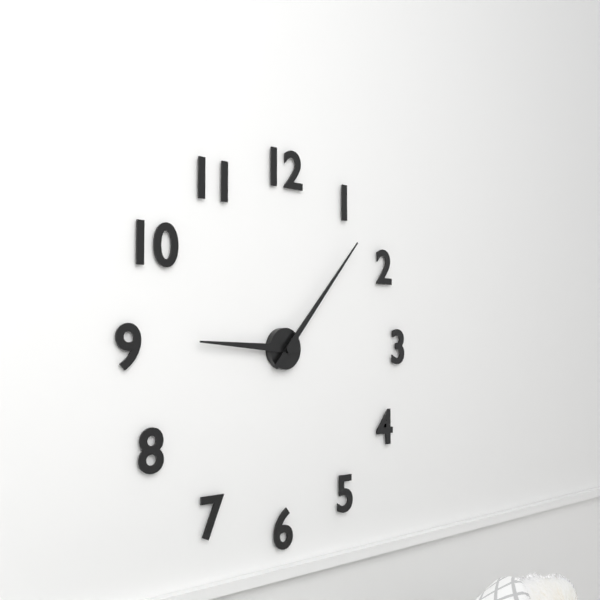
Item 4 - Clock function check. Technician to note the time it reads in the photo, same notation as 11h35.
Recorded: 9h07
